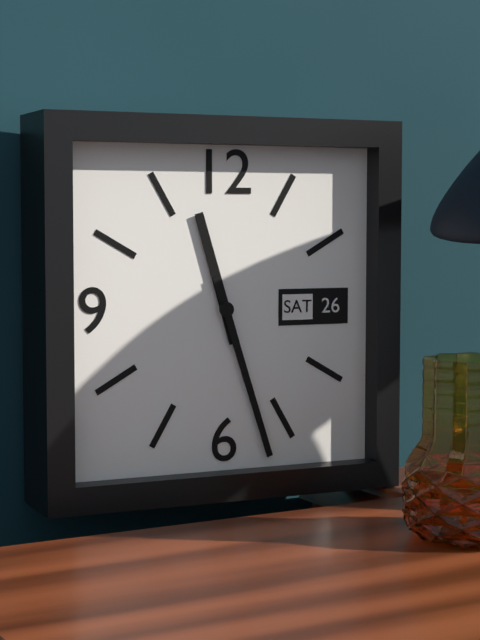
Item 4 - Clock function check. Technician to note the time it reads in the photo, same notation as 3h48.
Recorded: 11h27
